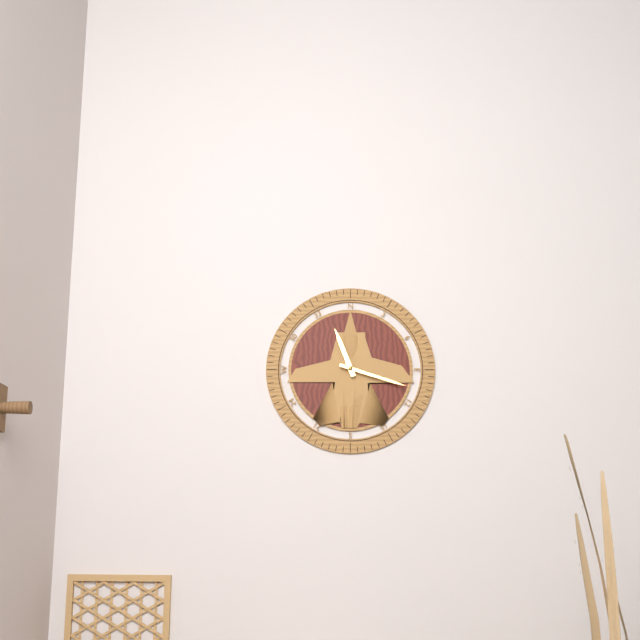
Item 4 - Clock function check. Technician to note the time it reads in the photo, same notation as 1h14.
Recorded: 11h18
